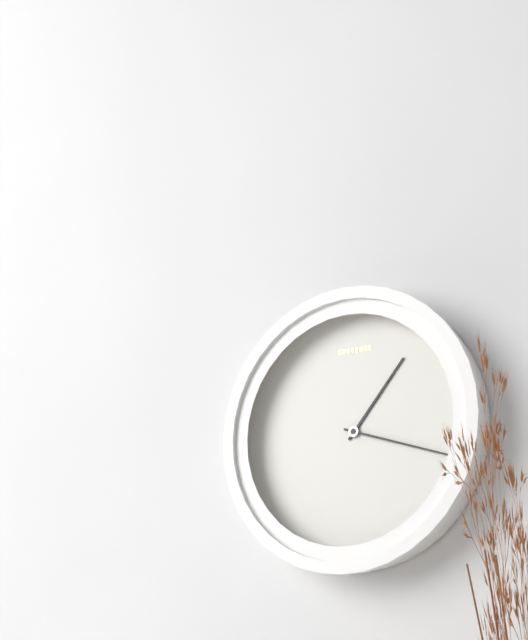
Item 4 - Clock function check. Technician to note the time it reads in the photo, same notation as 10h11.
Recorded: 1h18
